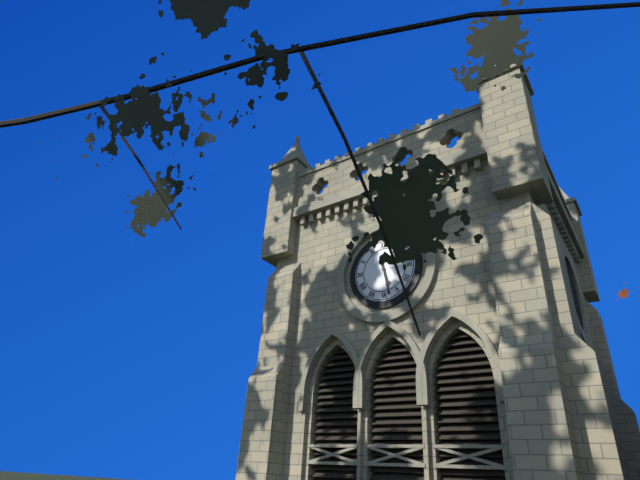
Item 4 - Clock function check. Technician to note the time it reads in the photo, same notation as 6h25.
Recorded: 5h28
